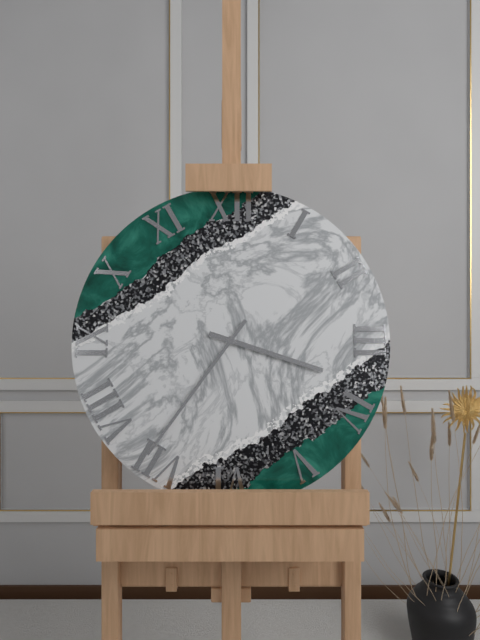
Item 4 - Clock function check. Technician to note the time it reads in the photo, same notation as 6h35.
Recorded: 3h36
